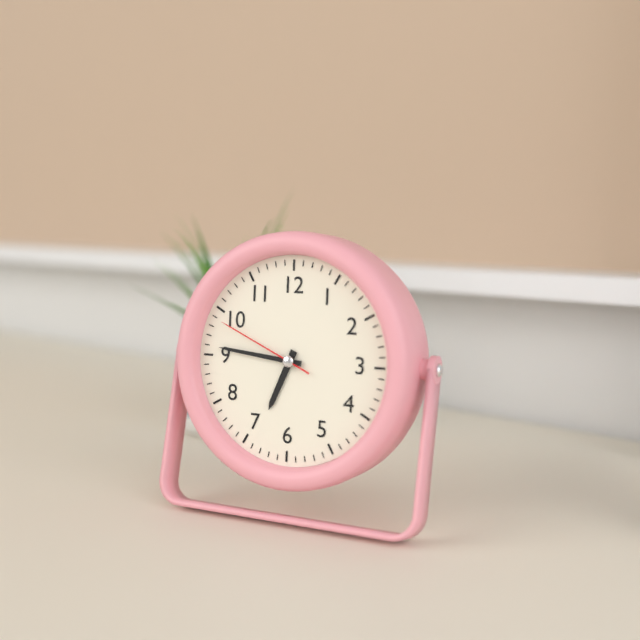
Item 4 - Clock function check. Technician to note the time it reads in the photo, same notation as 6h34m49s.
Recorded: 6h46m49s
